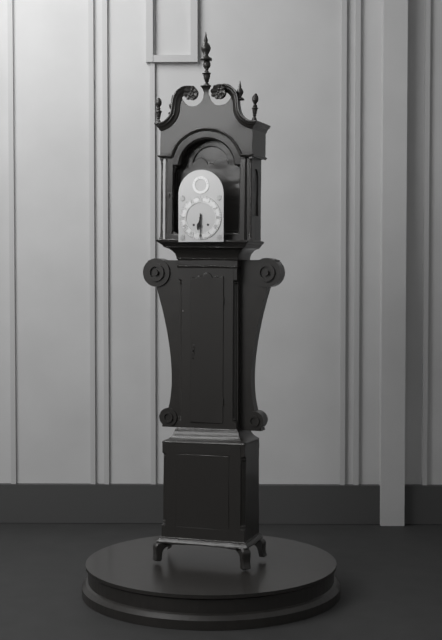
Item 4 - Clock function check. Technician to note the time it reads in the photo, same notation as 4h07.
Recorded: 6h30
